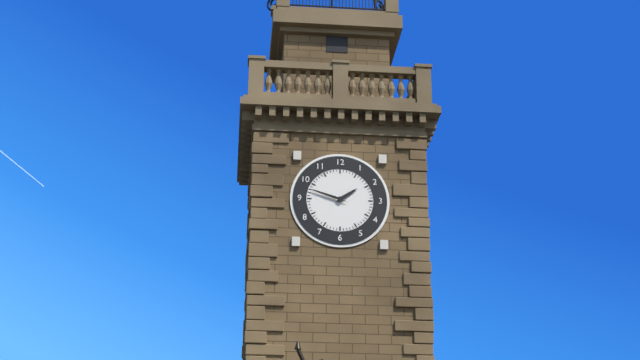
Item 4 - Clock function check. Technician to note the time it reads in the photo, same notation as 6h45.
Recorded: 1h48
